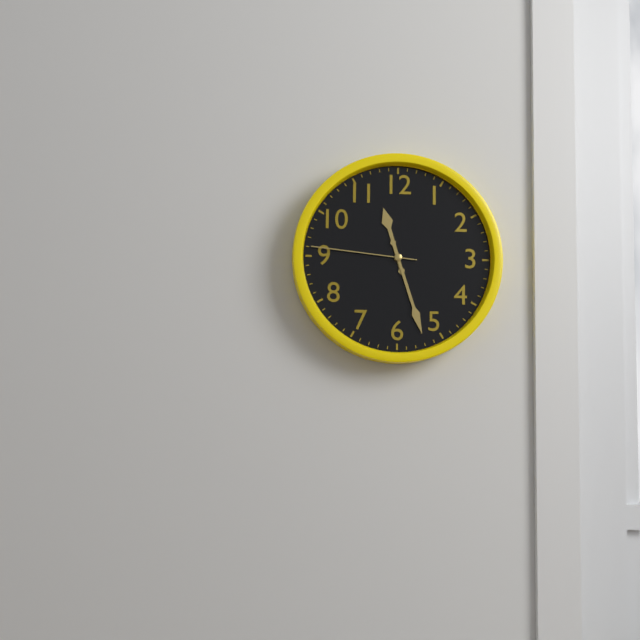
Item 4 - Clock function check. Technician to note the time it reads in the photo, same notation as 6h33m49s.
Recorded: 11h27m46s
